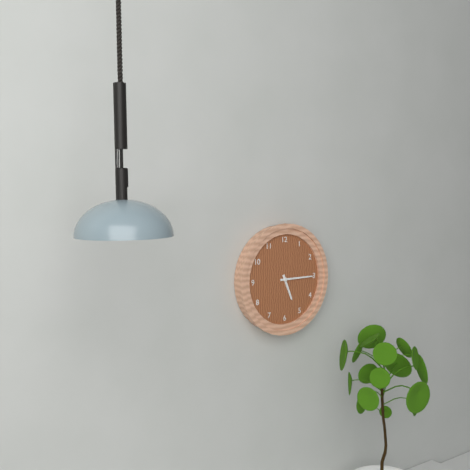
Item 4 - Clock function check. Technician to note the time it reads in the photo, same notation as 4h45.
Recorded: 5h15
